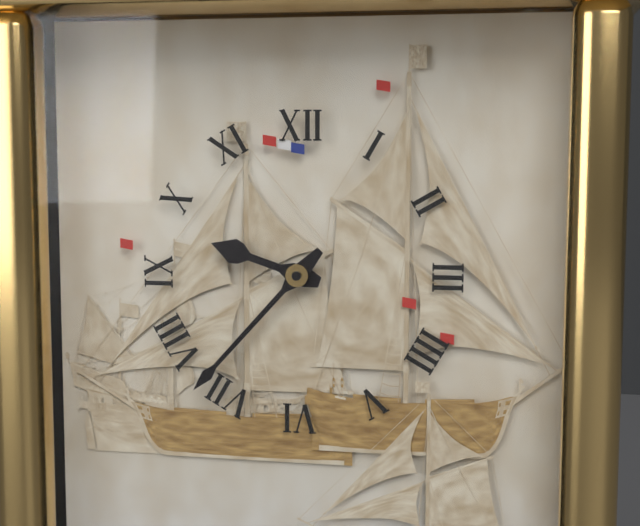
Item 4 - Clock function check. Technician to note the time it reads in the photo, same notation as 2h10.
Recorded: 9h37
